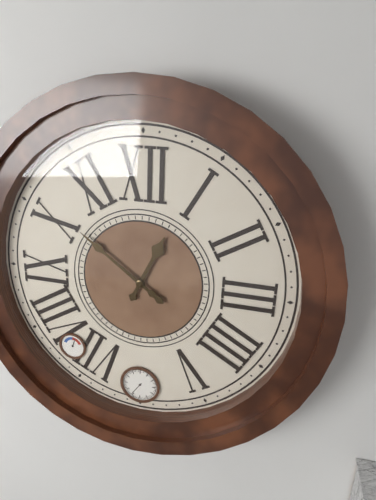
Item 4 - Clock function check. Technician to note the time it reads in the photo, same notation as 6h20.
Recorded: 12h51
